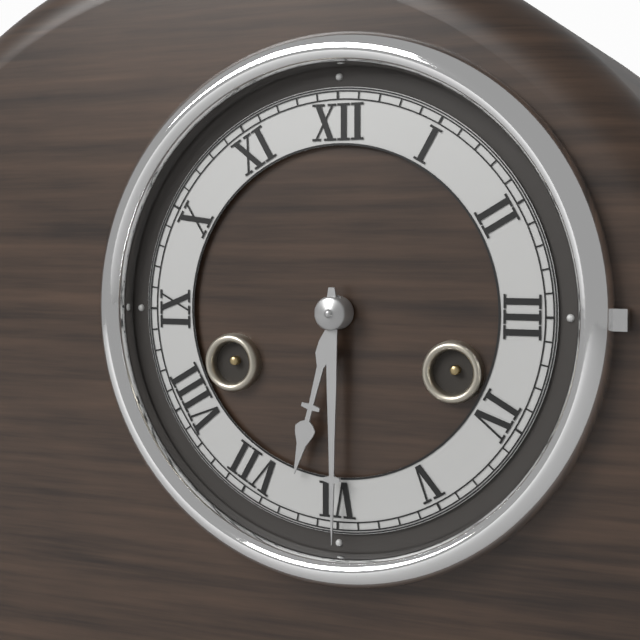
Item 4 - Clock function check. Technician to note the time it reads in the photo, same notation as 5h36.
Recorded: 6h30
